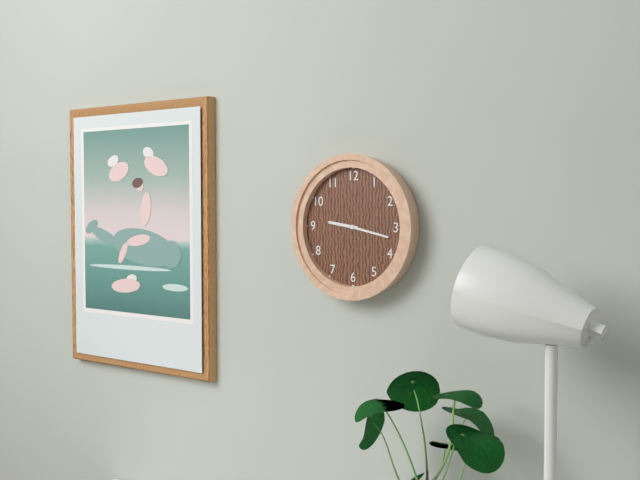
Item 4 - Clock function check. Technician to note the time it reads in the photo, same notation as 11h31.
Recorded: 9h17
